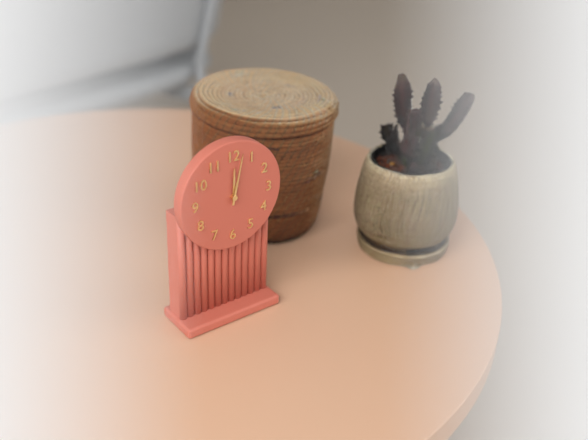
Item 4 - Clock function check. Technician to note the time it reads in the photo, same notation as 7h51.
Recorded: 12h02
